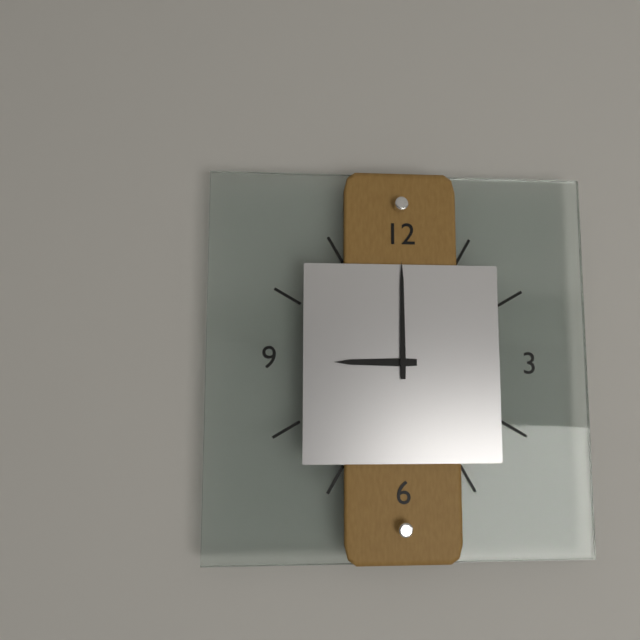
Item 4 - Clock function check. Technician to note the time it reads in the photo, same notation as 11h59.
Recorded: 9h00
